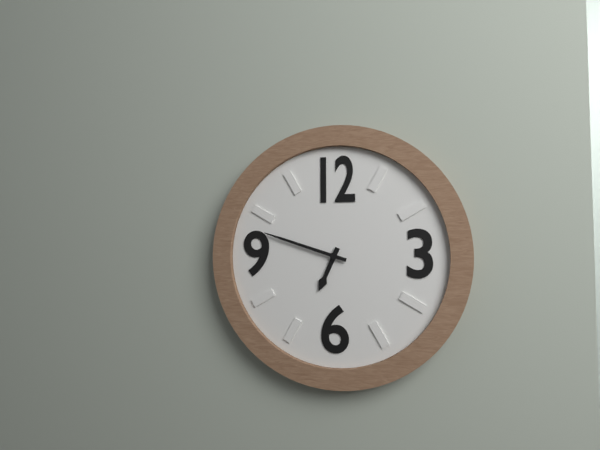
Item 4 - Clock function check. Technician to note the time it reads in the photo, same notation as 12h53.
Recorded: 6h48
